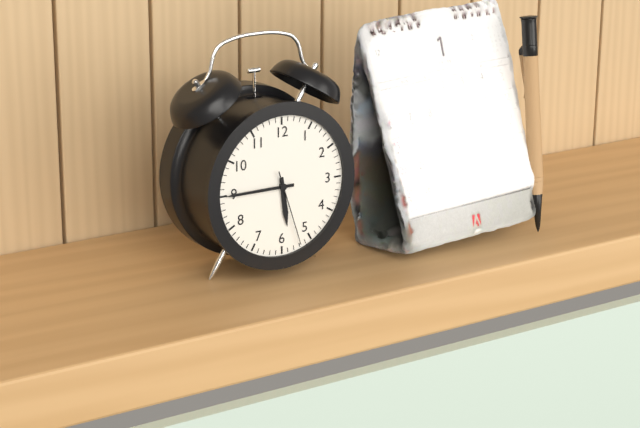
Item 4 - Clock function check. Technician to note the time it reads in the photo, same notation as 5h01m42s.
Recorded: 5h45m27s
